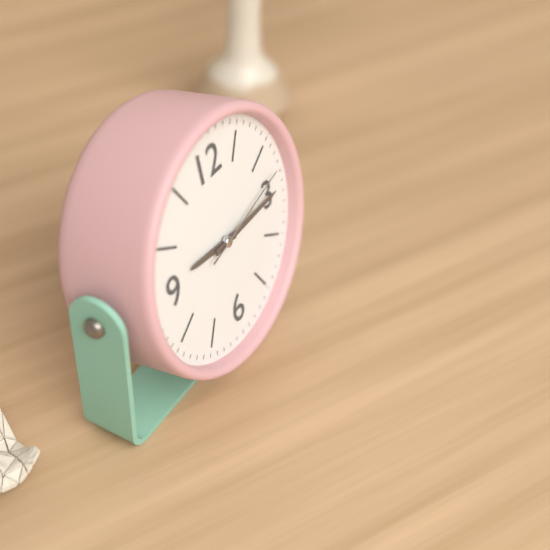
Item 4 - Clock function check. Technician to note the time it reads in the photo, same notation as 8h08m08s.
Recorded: 9h15m13s
